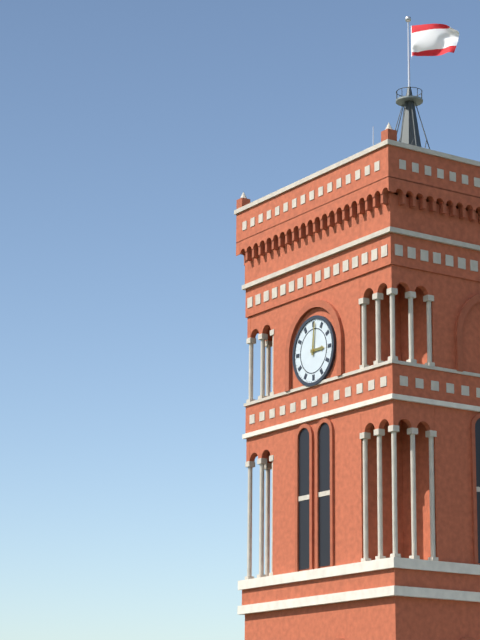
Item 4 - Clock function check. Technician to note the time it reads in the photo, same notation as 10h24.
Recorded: 3h01
